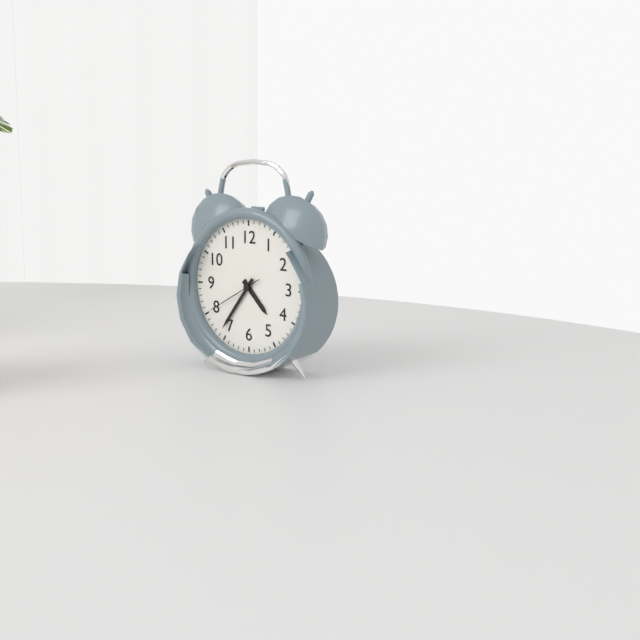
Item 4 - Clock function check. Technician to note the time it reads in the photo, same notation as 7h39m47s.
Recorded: 4h36m40s
